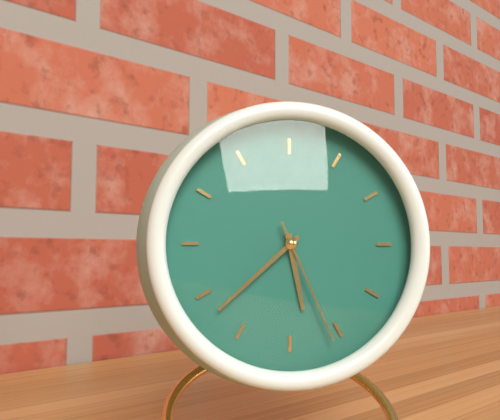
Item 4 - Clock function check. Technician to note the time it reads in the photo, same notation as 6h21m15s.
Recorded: 5h38m26s
